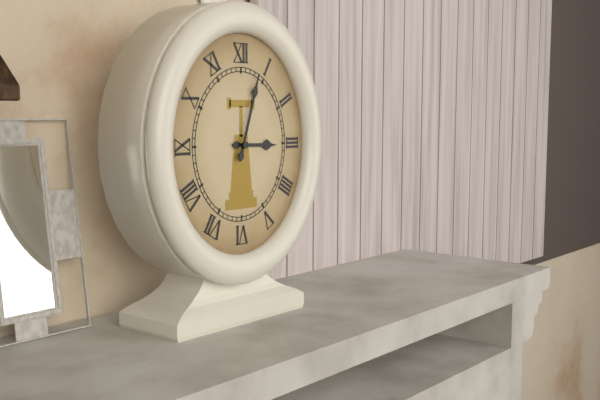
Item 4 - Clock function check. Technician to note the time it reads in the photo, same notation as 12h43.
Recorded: 3h03
